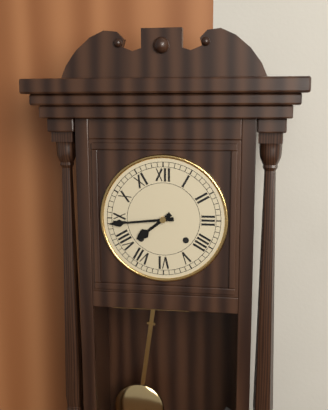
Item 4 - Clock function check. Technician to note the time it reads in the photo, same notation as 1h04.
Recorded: 7h44
